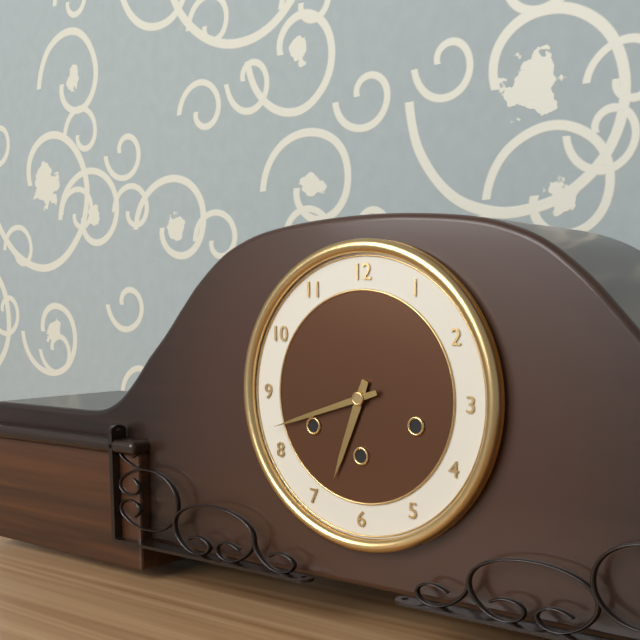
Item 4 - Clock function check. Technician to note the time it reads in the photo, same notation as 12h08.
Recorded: 6h42
